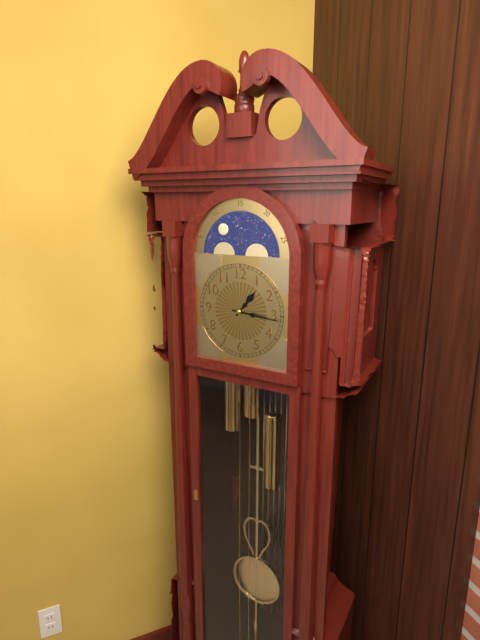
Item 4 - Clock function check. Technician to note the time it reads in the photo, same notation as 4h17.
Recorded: 1h16
